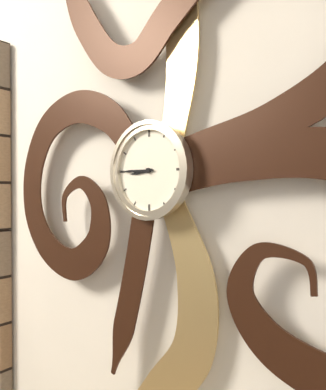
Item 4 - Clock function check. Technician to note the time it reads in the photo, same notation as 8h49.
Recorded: 8h45
